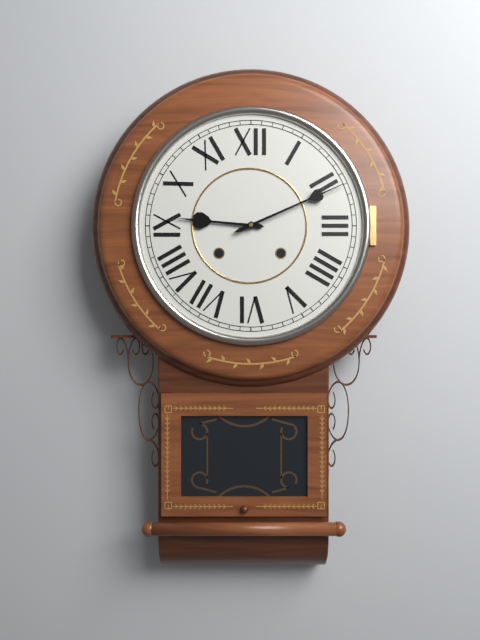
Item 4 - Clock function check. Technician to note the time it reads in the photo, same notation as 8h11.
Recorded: 9h11
